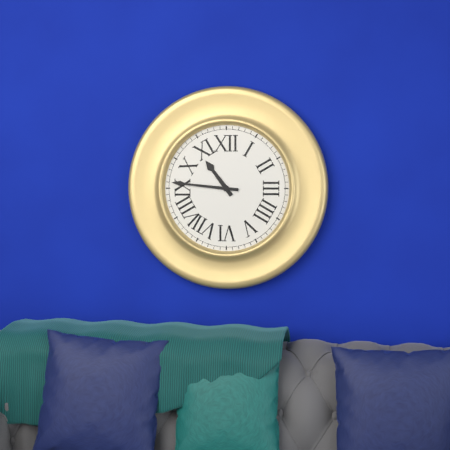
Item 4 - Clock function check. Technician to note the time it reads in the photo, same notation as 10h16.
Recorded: 10h46
